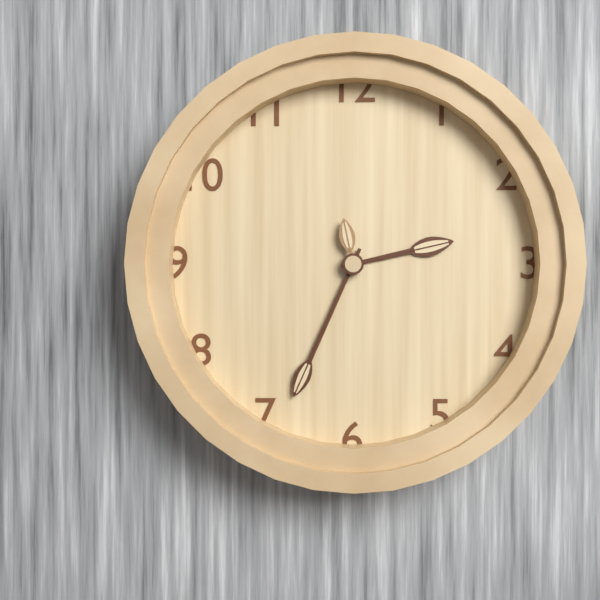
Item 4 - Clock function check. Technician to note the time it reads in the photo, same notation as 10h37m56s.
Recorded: 2h34m58s
